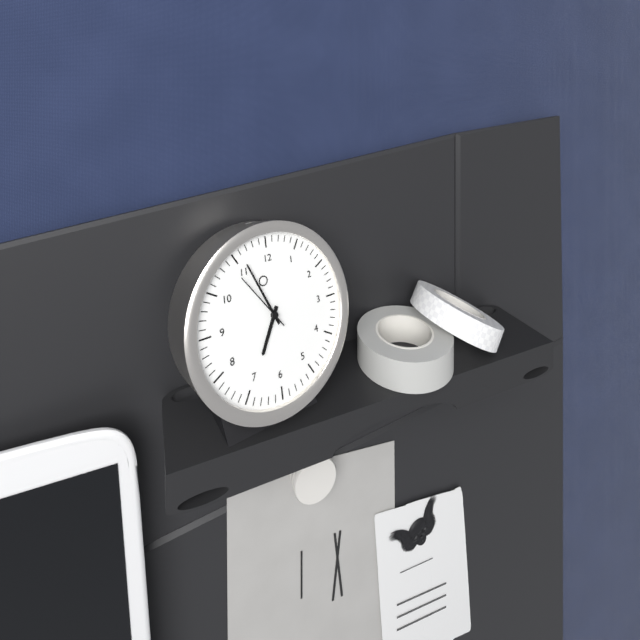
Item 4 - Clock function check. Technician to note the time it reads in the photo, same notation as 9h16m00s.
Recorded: 6h56m54s
